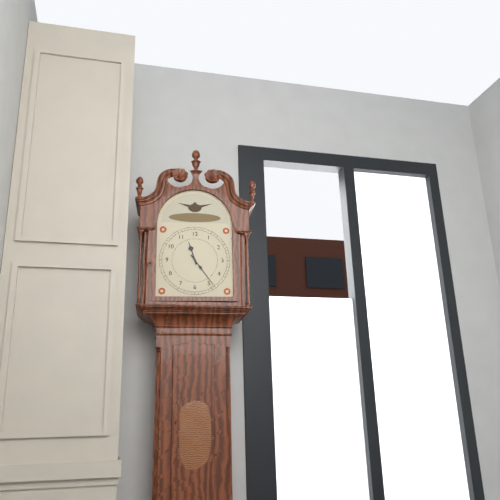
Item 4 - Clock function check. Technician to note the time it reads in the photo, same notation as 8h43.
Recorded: 11h24
